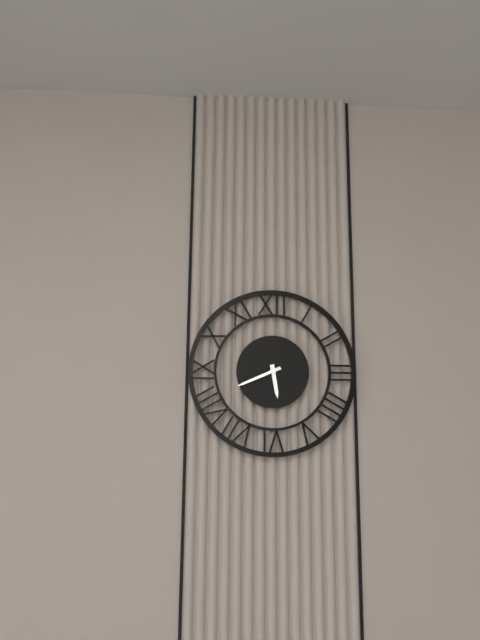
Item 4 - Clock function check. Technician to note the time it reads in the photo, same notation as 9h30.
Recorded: 5h41
